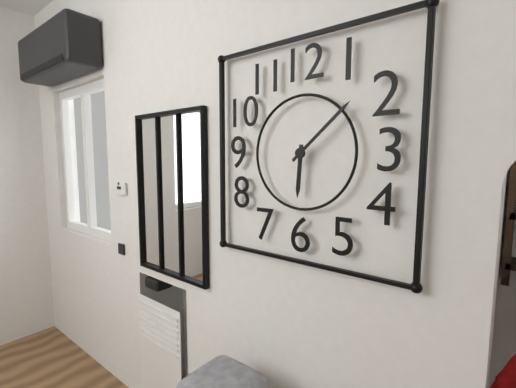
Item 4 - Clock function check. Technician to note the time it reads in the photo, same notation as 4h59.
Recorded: 6h08
